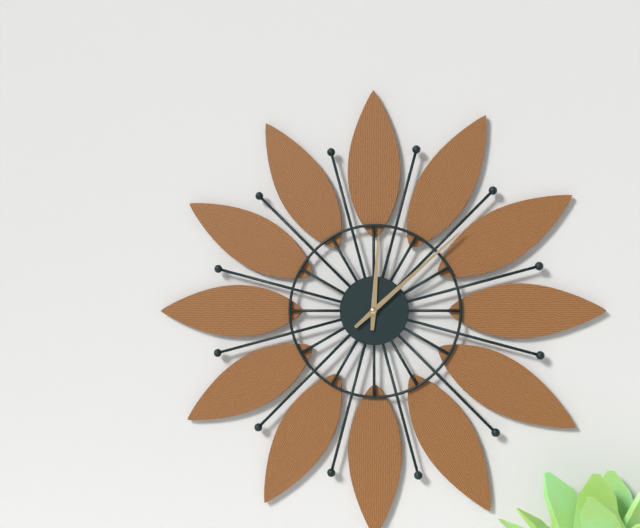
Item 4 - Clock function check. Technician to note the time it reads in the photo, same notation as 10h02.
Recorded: 12h08
